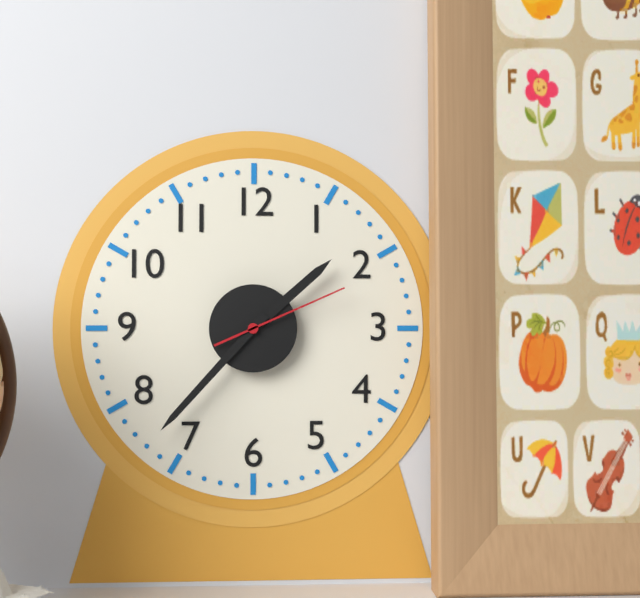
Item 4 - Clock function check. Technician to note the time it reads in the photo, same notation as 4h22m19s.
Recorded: 1h37m11s
